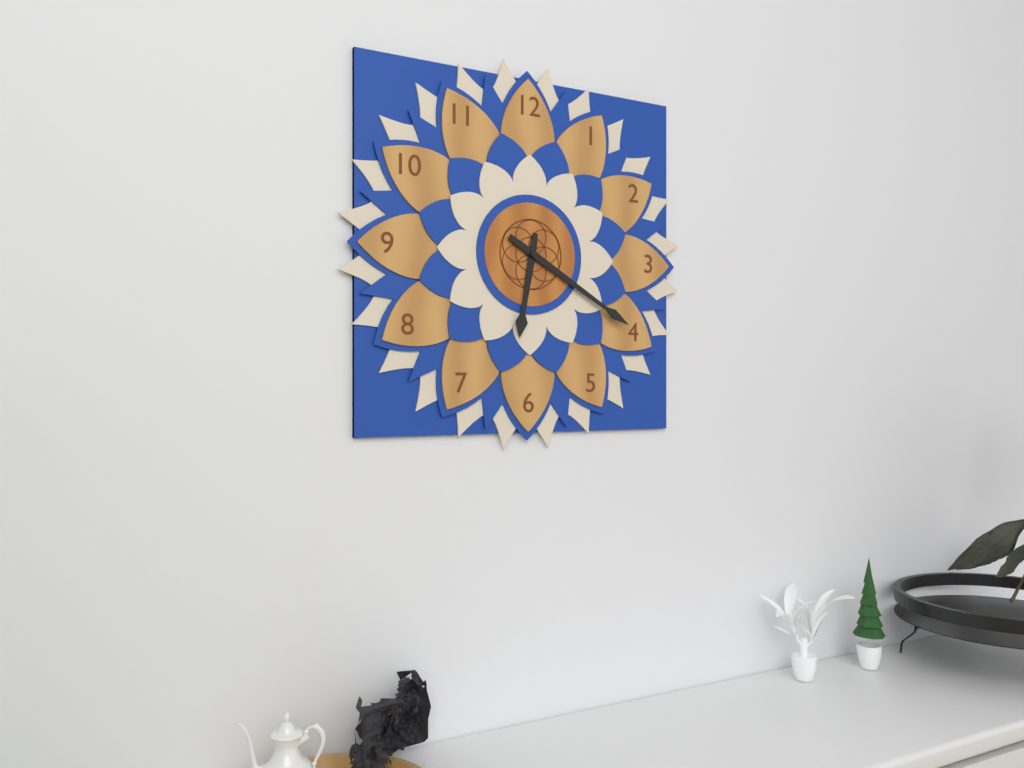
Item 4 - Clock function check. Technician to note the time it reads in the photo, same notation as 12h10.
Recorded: 6h20
